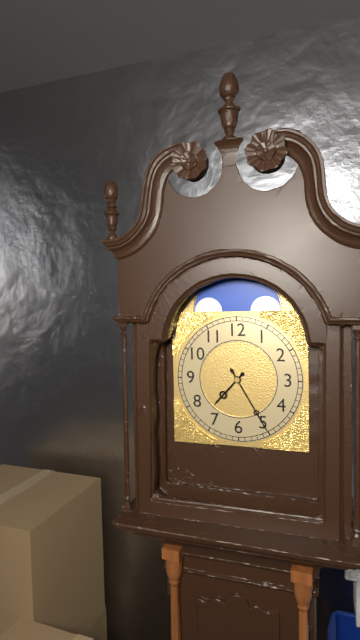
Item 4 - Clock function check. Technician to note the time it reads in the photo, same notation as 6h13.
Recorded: 7h25
